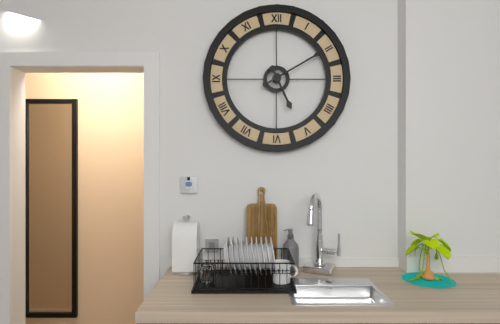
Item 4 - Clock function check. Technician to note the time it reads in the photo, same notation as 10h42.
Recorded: 5h10
